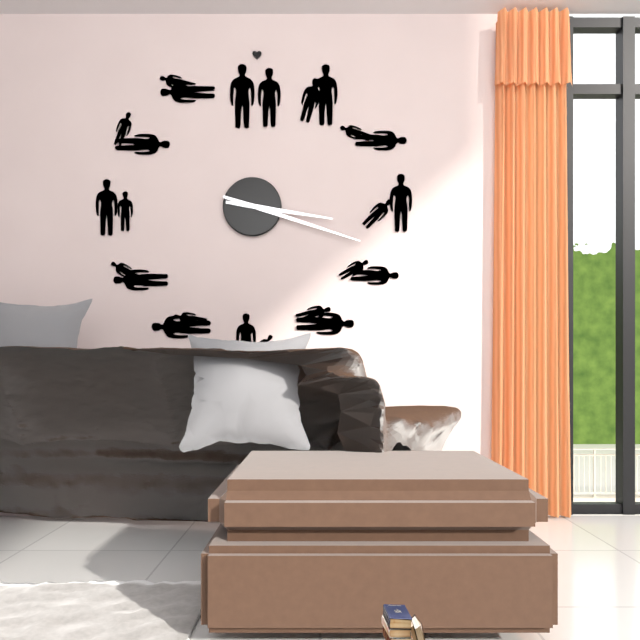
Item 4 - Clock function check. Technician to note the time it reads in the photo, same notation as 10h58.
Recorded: 3h18
